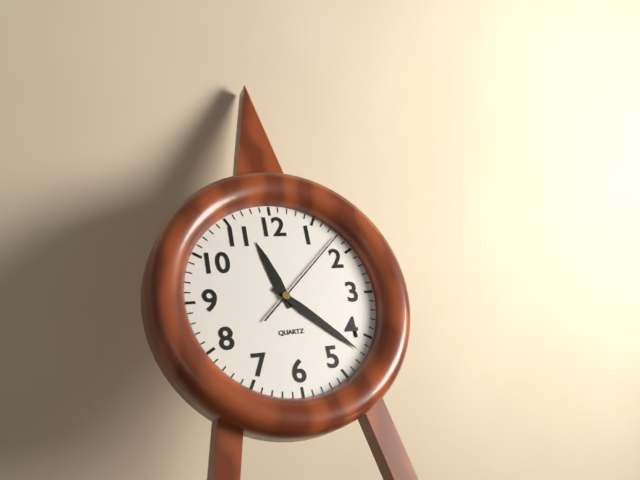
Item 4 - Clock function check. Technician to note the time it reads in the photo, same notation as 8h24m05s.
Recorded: 11h22m08s
